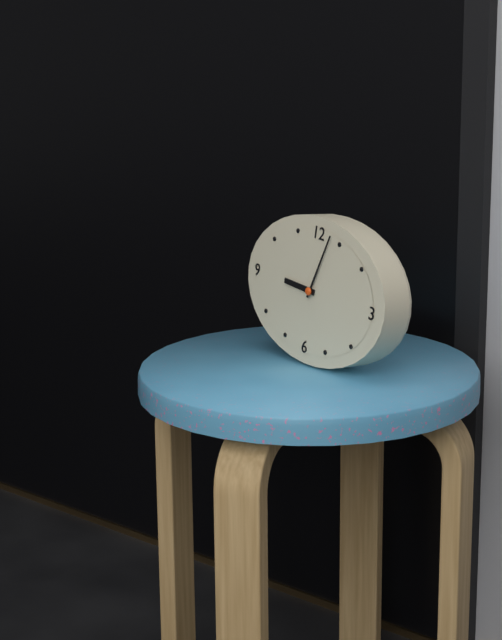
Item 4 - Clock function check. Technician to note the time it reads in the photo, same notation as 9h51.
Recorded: 9h03
